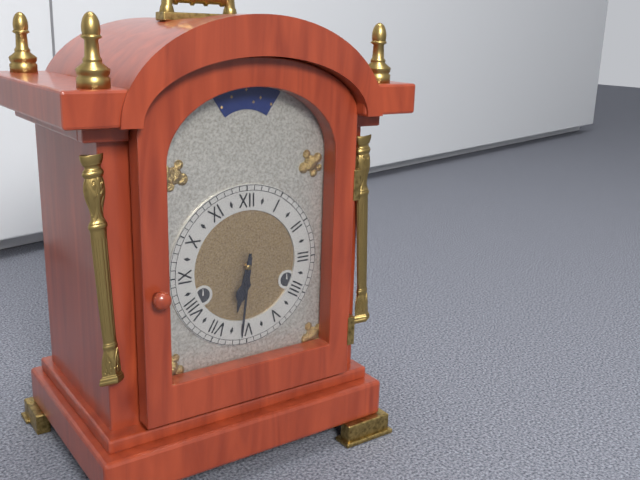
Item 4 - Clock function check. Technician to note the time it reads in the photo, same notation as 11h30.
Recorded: 6h31
